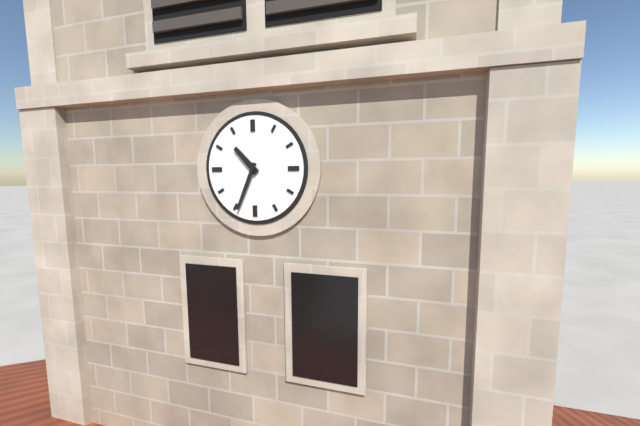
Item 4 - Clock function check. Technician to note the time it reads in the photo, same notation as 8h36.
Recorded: 10h34
